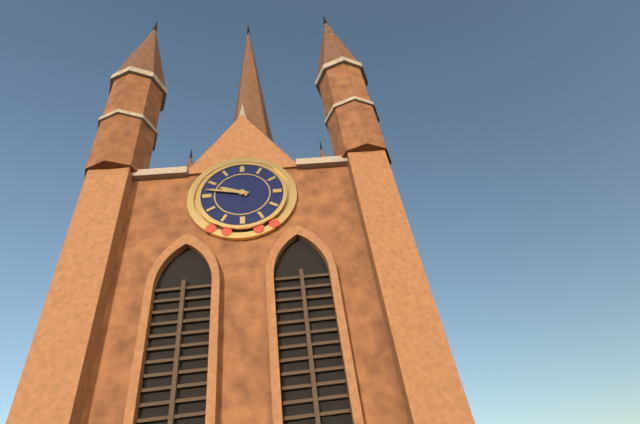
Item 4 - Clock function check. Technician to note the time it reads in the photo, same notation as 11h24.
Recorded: 9h47
